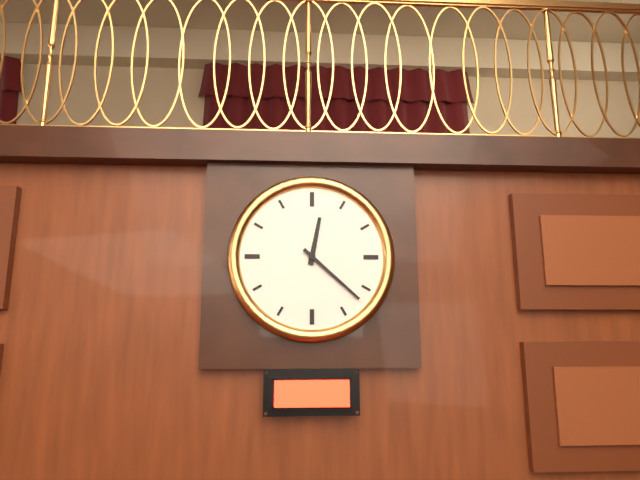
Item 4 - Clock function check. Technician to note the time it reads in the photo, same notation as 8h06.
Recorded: 12h22
